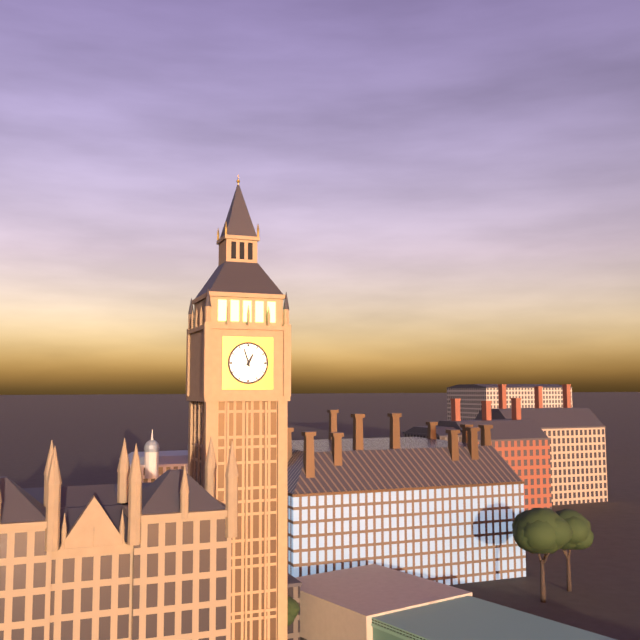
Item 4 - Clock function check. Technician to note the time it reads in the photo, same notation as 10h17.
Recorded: 12h57
